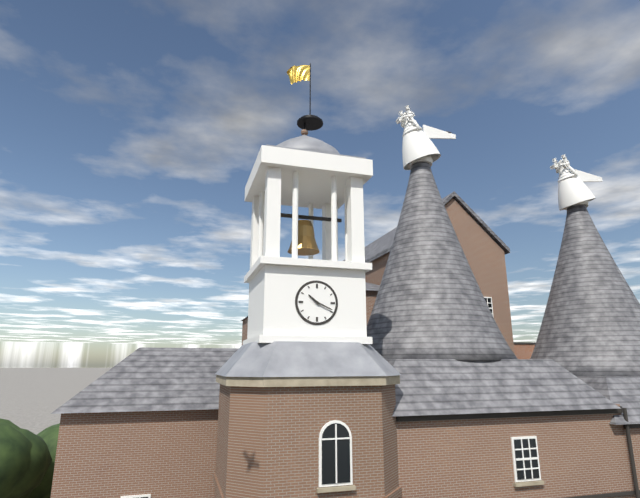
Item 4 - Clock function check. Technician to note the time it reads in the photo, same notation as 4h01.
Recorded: 10h19
